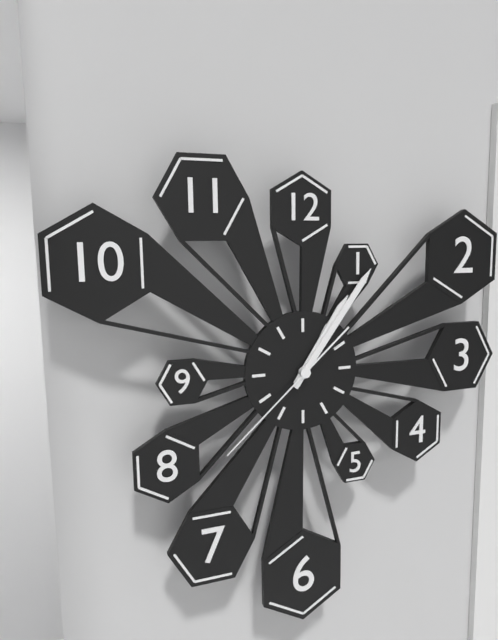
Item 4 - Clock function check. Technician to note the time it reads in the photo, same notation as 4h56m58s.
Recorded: 1h06m38s
